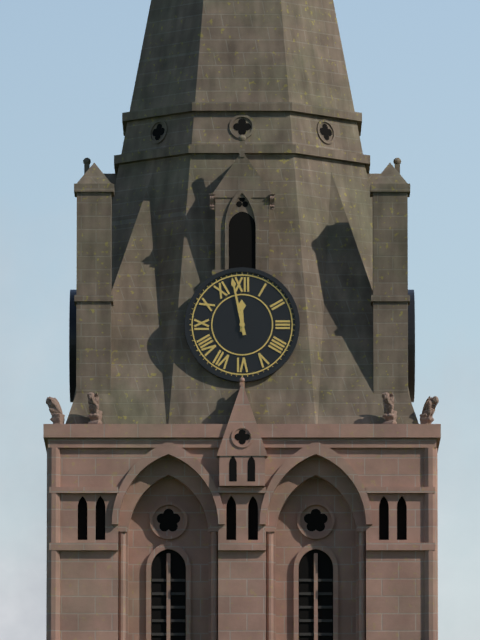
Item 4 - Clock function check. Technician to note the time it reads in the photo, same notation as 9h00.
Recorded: 11h58
